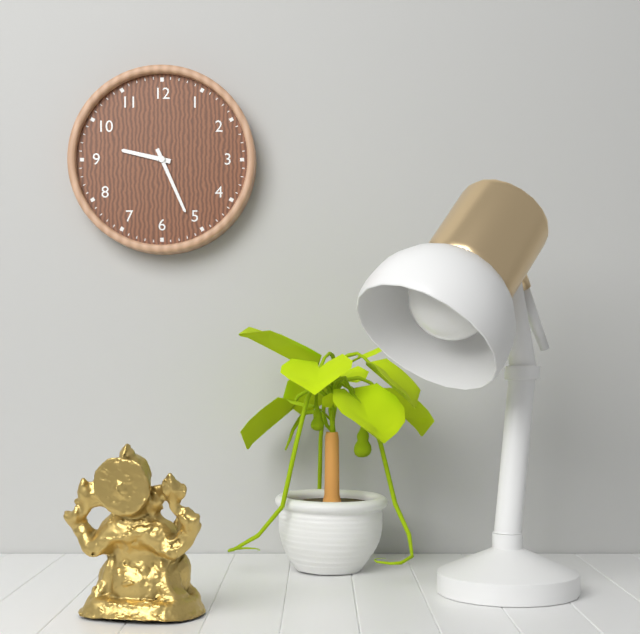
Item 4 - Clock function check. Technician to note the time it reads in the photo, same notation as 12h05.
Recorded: 9h26
